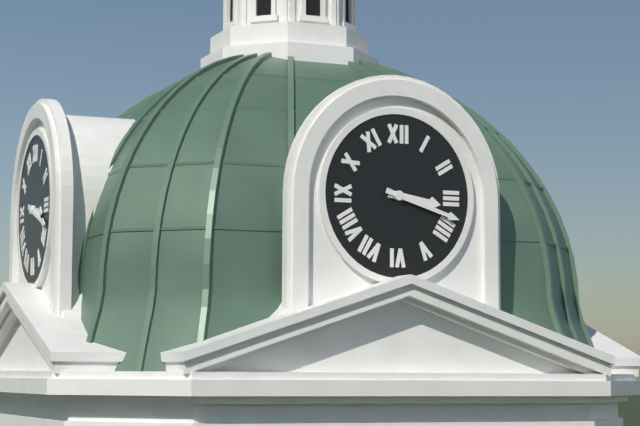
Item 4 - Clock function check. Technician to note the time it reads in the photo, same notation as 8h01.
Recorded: 3h18
